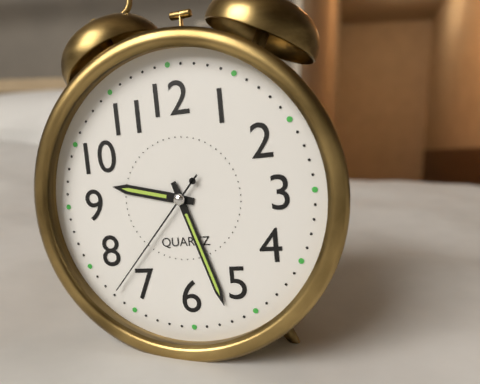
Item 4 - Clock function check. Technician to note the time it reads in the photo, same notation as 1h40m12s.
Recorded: 9h27m37s
